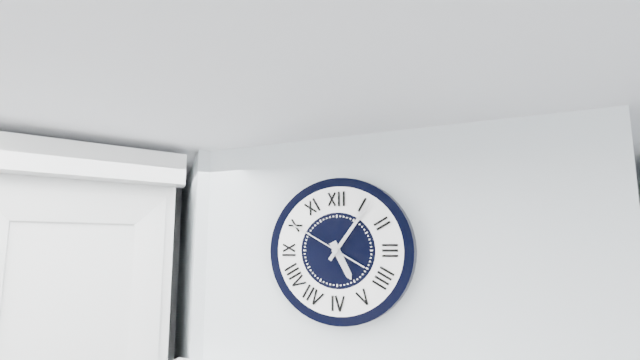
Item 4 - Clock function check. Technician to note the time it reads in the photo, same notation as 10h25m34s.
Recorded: 5h06m50s
